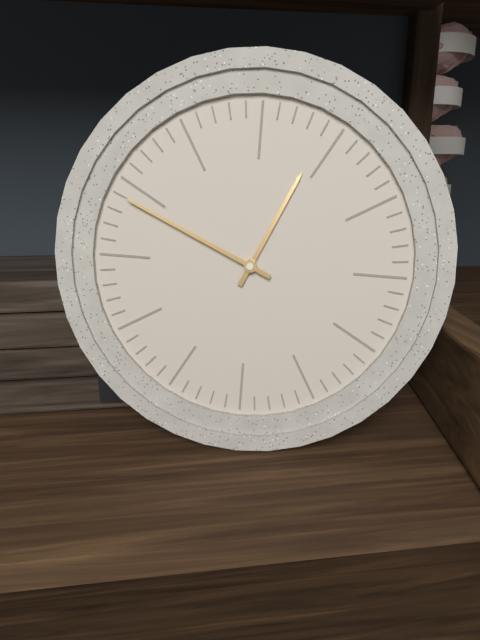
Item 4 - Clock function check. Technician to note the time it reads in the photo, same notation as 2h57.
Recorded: 12h49
